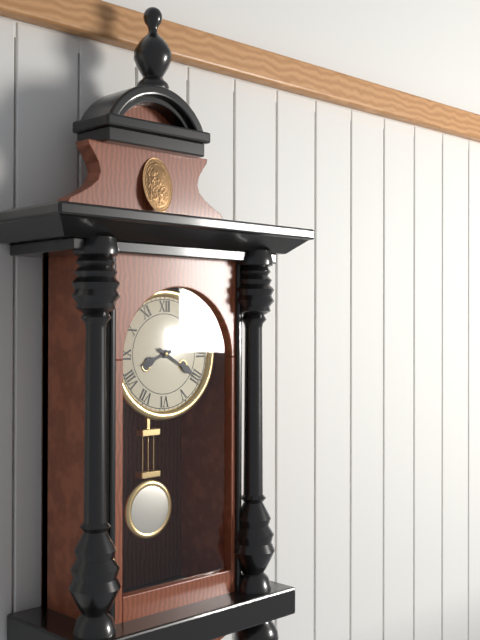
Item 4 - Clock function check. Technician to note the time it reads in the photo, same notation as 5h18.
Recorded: 8h20
